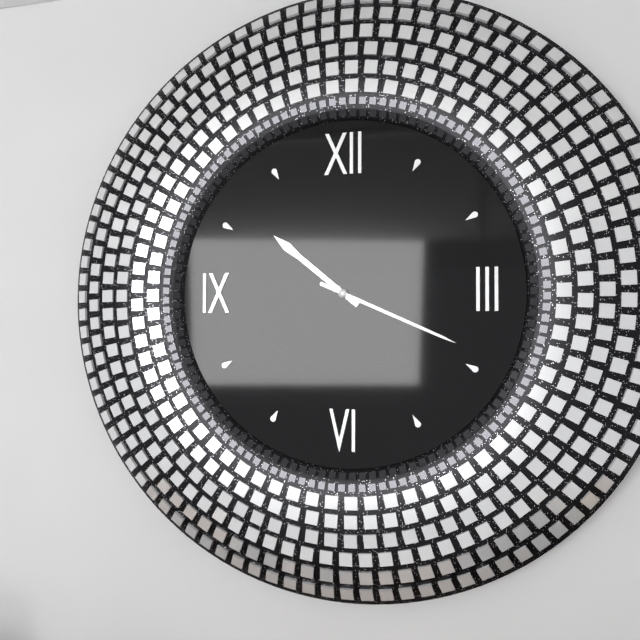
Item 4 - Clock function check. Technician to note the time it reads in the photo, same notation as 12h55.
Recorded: 10h19
